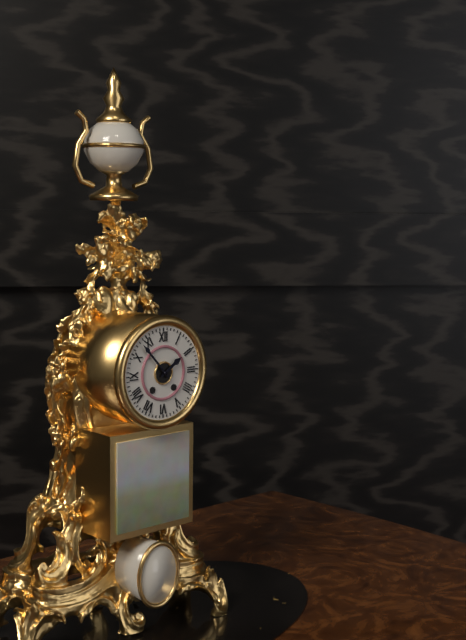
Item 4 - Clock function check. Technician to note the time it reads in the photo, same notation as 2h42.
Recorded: 1h53
